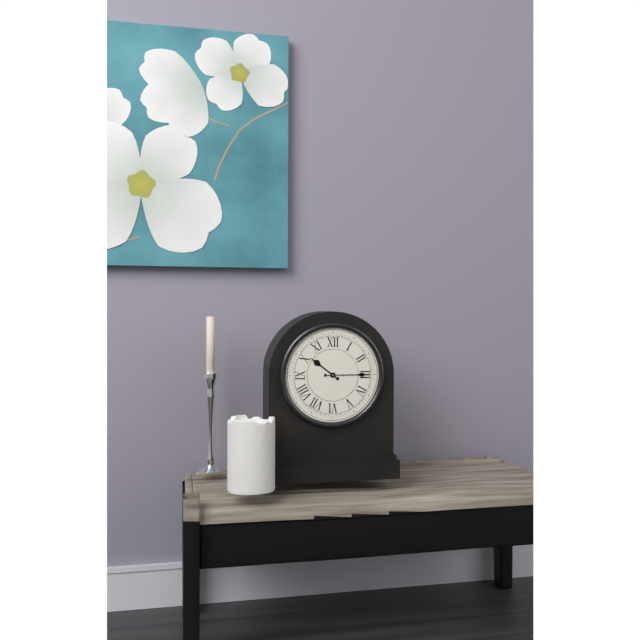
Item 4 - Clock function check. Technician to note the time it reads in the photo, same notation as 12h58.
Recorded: 10h15
